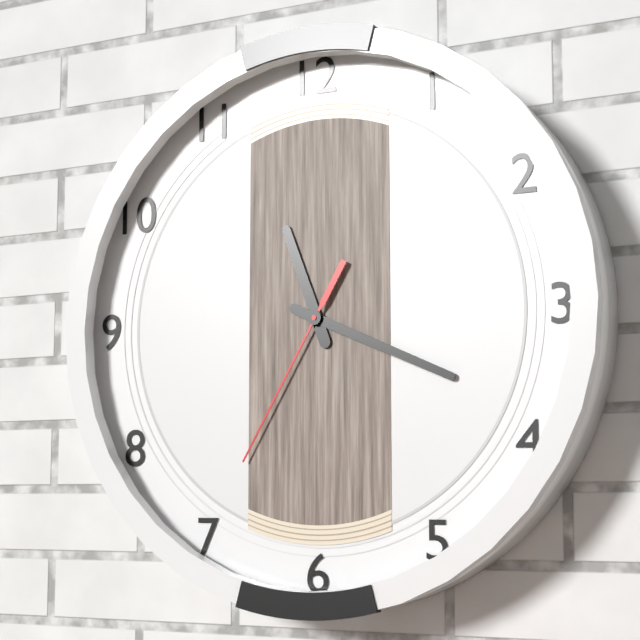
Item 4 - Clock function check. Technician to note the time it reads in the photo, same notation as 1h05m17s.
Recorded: 11h19m35s
